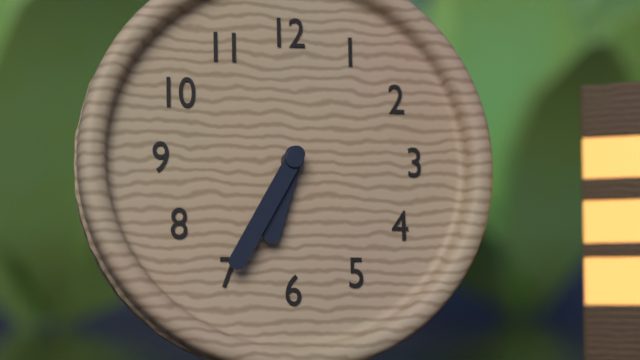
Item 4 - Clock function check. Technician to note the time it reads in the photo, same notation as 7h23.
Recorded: 6h35
